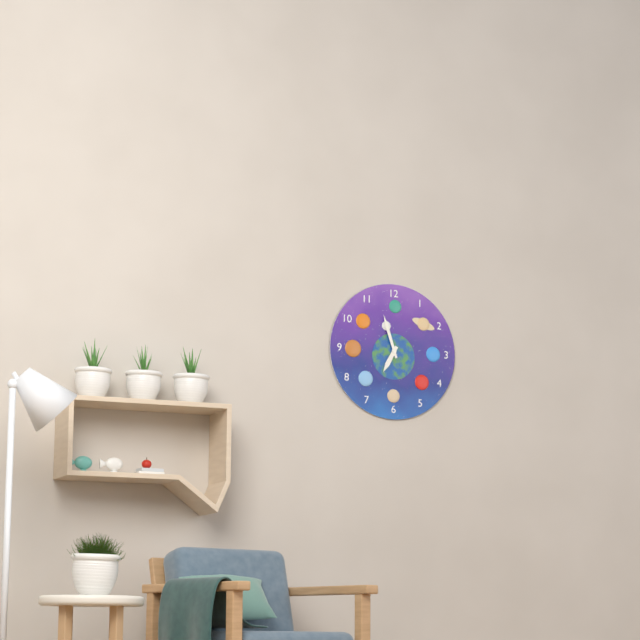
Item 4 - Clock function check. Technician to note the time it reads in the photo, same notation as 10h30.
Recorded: 6h57
